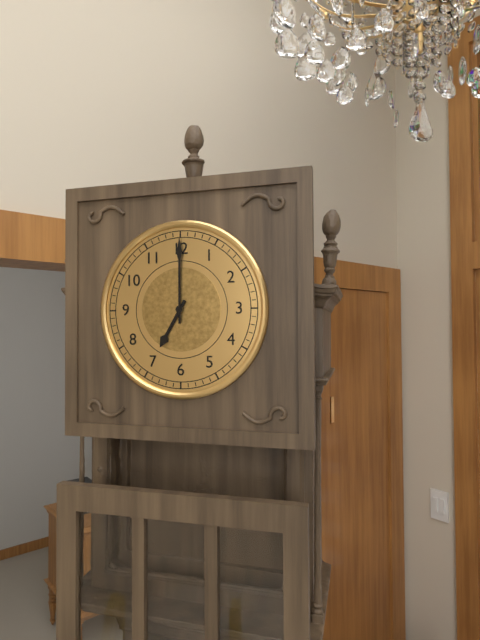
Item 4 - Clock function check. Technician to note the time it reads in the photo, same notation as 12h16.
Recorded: 7h00
